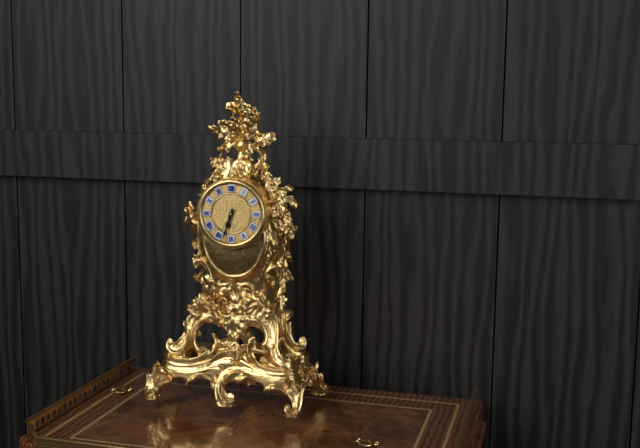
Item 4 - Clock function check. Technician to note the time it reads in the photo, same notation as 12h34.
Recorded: 6h33
